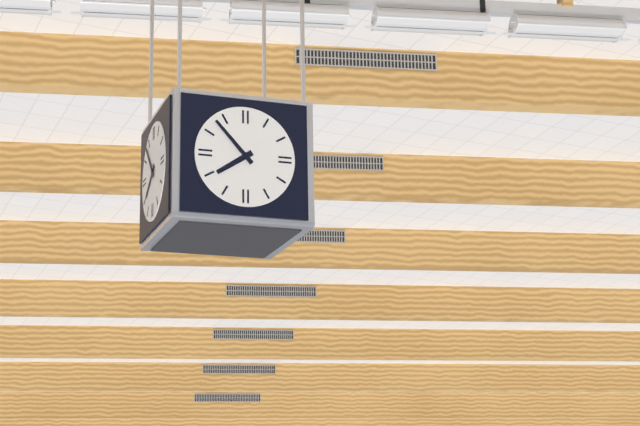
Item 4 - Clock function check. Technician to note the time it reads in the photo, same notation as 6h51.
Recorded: 7h53
